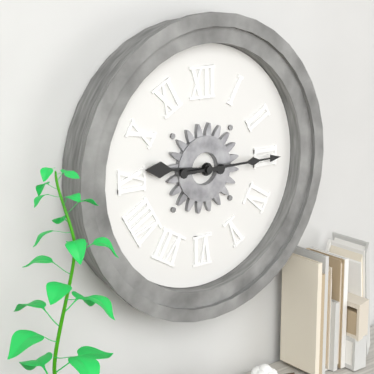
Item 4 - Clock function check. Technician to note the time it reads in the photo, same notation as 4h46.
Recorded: 9h15
